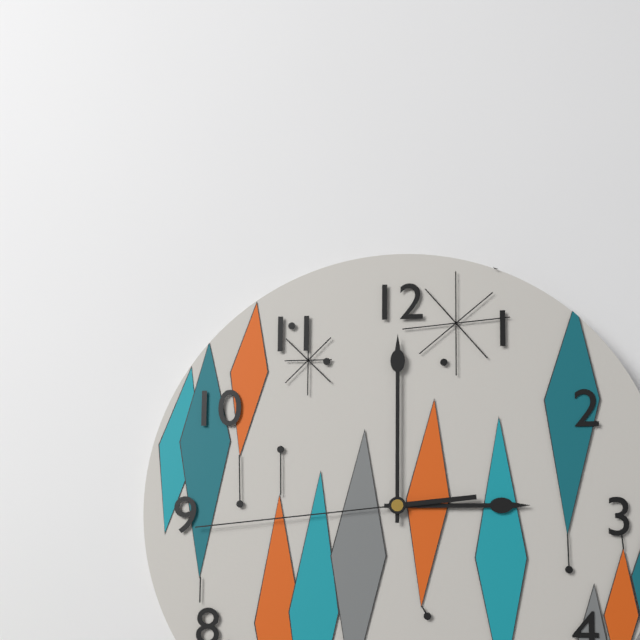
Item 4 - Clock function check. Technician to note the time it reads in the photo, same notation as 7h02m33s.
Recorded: 3h00m44s
